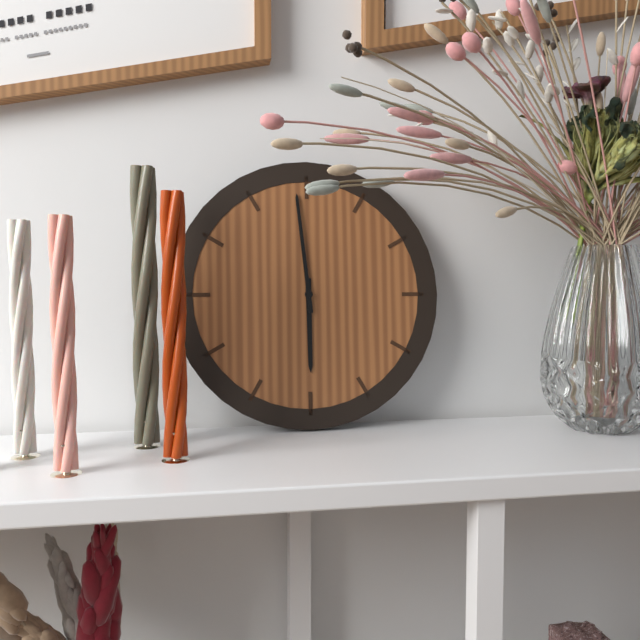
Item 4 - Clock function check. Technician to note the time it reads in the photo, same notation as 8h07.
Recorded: 5h59
